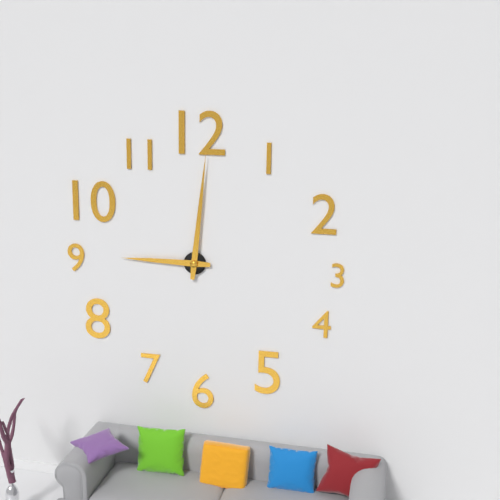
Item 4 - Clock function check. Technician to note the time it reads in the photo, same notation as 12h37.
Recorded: 9h01
